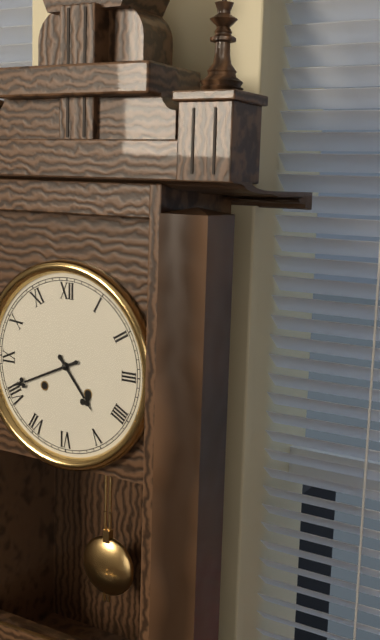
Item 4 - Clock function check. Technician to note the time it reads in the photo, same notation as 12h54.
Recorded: 4h41
